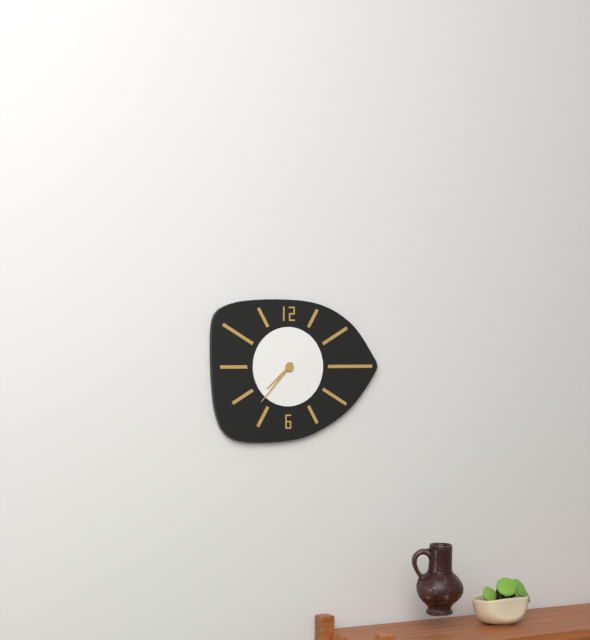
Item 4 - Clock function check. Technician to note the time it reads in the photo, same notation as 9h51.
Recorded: 7h37
